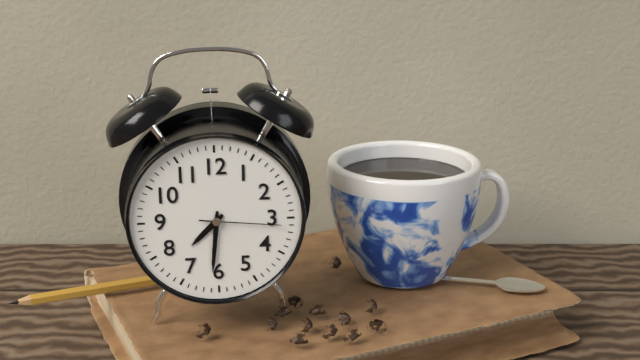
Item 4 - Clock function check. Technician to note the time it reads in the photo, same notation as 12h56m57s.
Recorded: 7h31m16s
